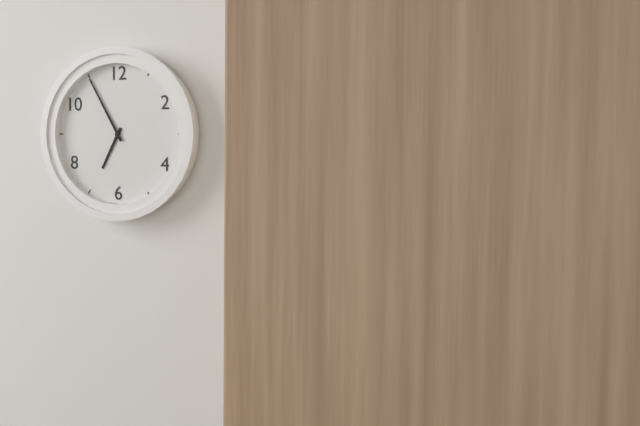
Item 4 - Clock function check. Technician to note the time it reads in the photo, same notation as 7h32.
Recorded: 6h55
